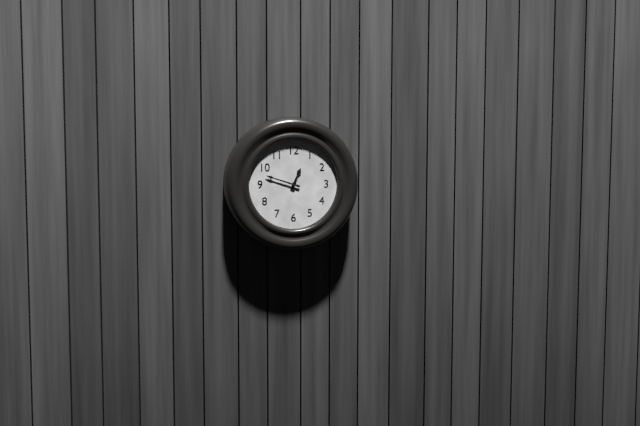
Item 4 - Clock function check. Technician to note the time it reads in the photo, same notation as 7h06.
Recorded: 12h48
